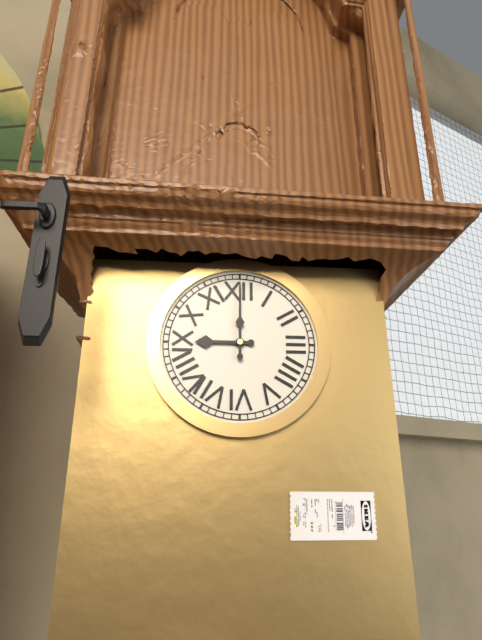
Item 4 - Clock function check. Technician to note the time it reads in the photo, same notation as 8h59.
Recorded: 9h00
